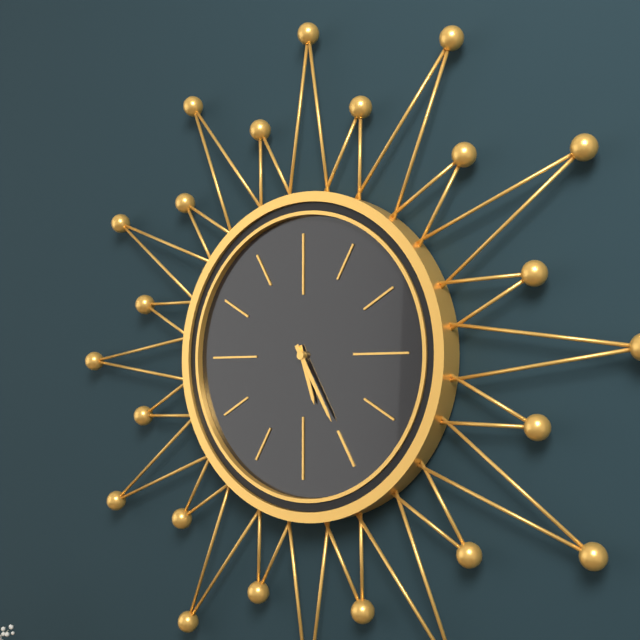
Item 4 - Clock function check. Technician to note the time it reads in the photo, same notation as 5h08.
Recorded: 5h25
